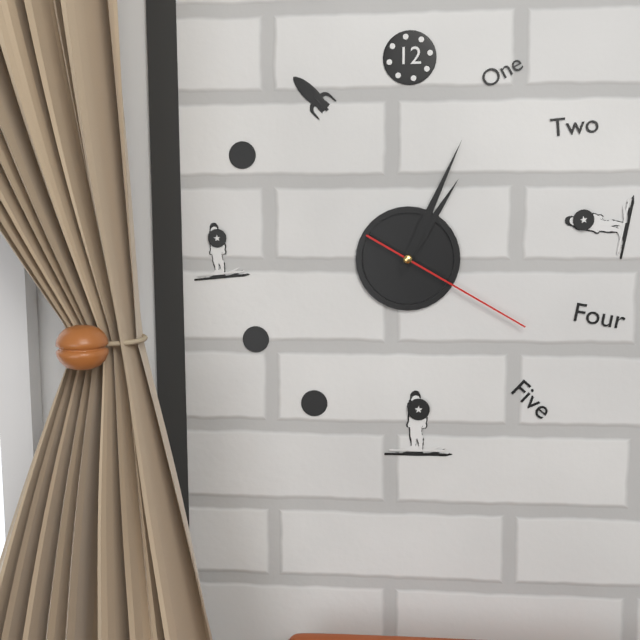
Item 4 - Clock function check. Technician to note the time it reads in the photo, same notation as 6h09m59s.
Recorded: 1h04m20s
